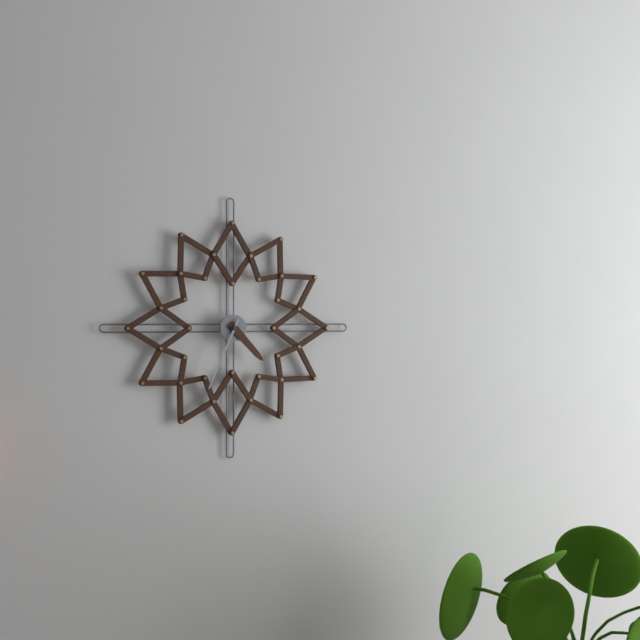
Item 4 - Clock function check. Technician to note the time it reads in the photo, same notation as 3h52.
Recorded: 4h34
